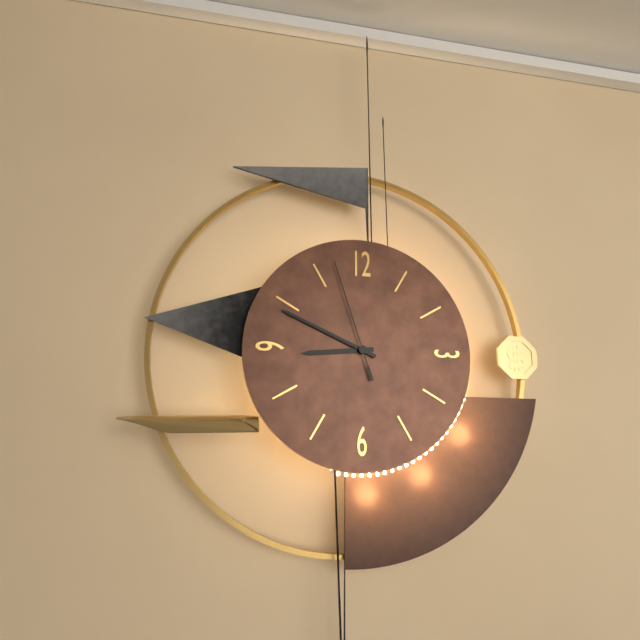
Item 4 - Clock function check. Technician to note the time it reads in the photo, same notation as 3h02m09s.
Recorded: 8h49m57s
